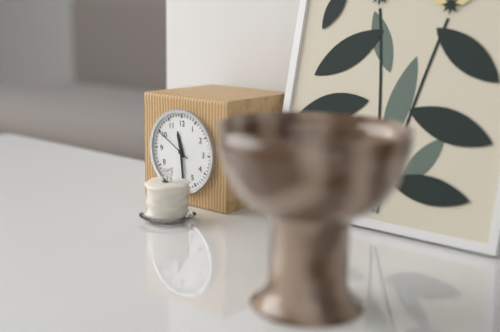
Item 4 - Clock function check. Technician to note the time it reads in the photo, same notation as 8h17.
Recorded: 11h29
